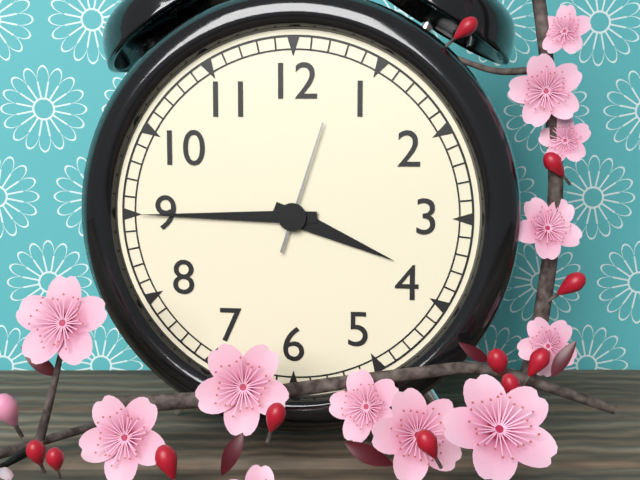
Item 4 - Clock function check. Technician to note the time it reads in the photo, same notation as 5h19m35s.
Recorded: 3h45m03s
